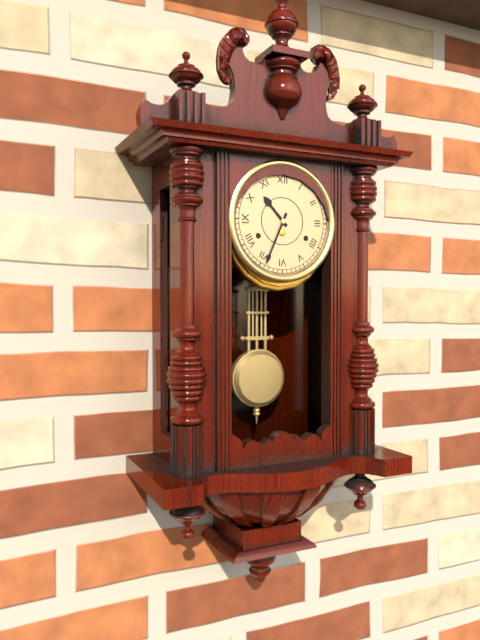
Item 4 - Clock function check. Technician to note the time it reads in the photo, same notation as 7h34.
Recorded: 10h34
